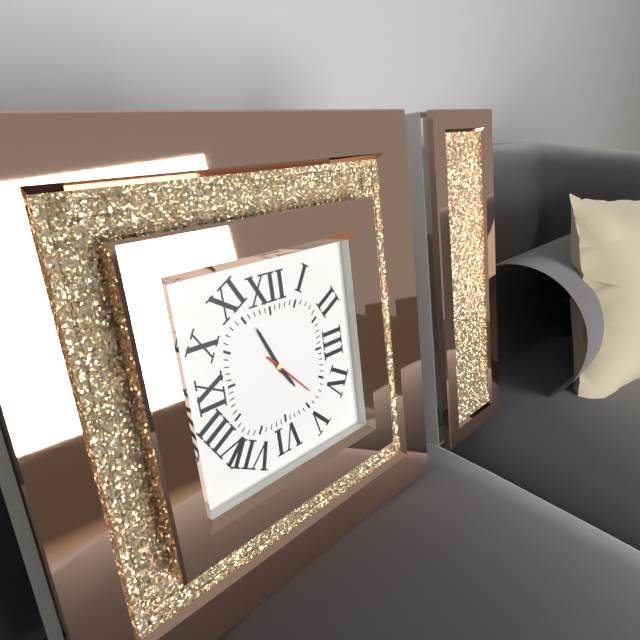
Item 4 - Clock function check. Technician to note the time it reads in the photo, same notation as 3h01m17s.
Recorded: 4h56m23s
